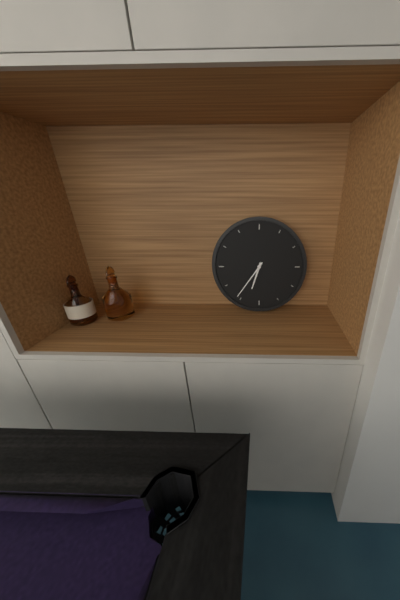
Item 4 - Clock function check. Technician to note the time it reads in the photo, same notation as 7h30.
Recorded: 6h36
